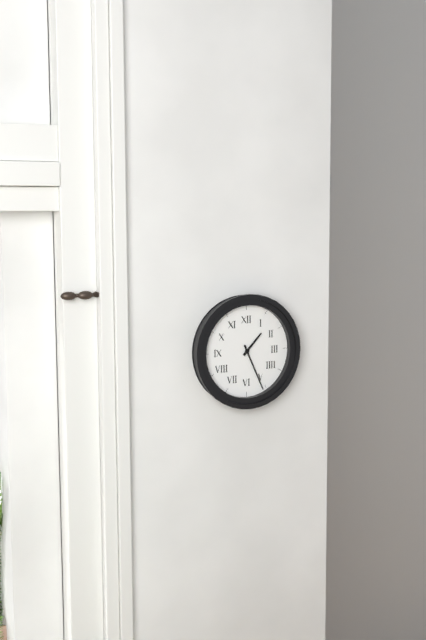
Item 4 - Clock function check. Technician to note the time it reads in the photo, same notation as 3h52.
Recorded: 1h26
